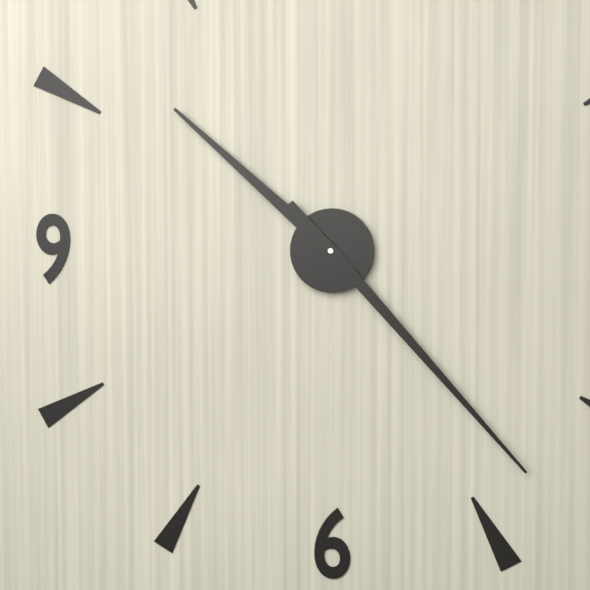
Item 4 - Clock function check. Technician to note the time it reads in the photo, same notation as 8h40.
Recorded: 10h23
